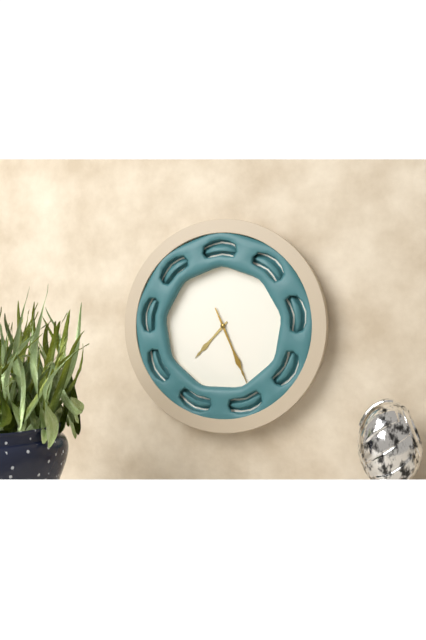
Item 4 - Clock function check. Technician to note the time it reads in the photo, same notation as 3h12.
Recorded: 7h26
